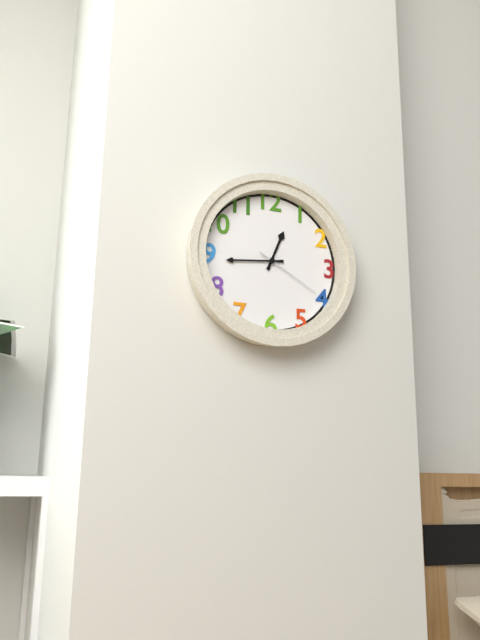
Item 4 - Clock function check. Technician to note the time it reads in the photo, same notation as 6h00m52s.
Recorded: 12h44m20s
